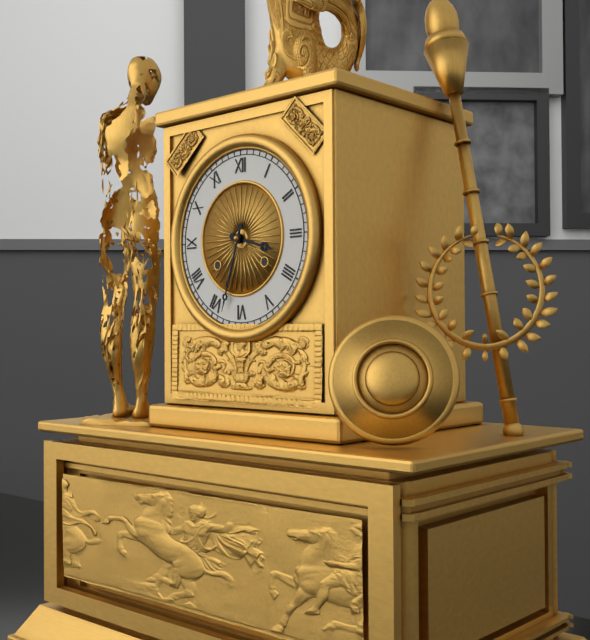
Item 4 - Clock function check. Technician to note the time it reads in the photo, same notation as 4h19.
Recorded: 3h33
